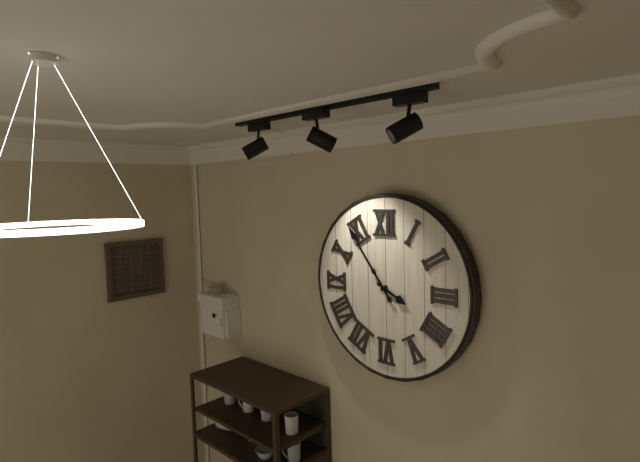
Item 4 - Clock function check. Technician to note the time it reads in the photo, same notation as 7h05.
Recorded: 3h54
